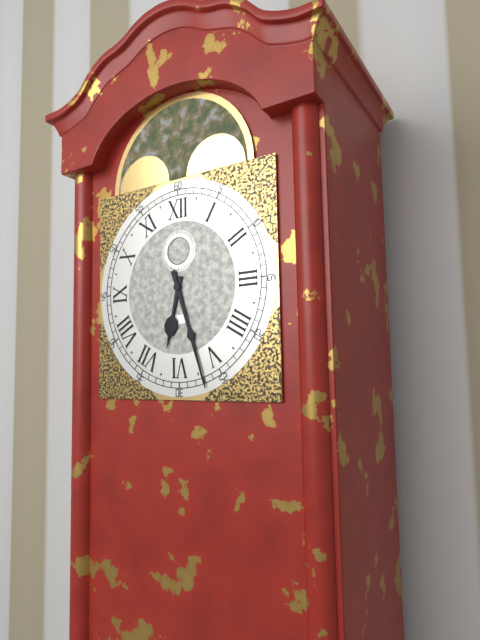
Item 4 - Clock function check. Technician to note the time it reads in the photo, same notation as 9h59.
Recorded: 6h27
